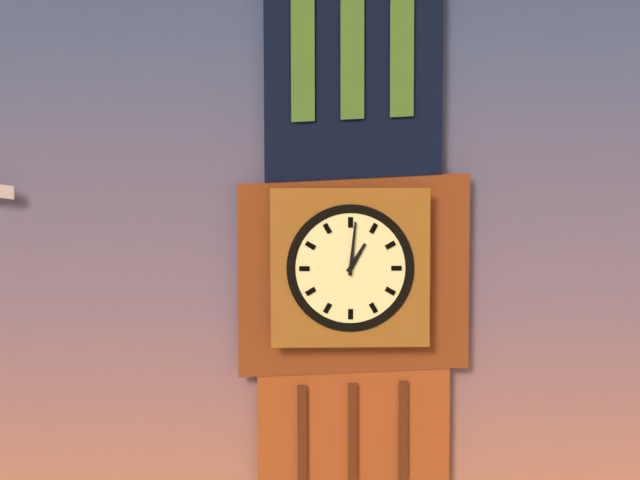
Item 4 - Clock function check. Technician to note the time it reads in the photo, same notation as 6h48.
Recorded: 1h01
